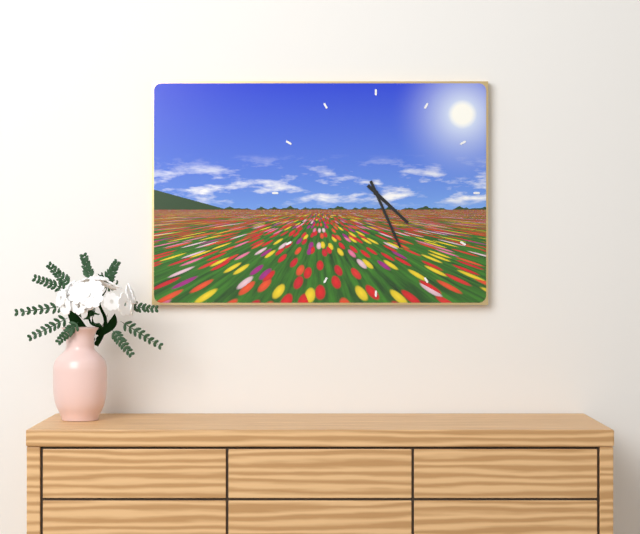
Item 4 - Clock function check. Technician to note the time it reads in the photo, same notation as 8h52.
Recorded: 4h26
